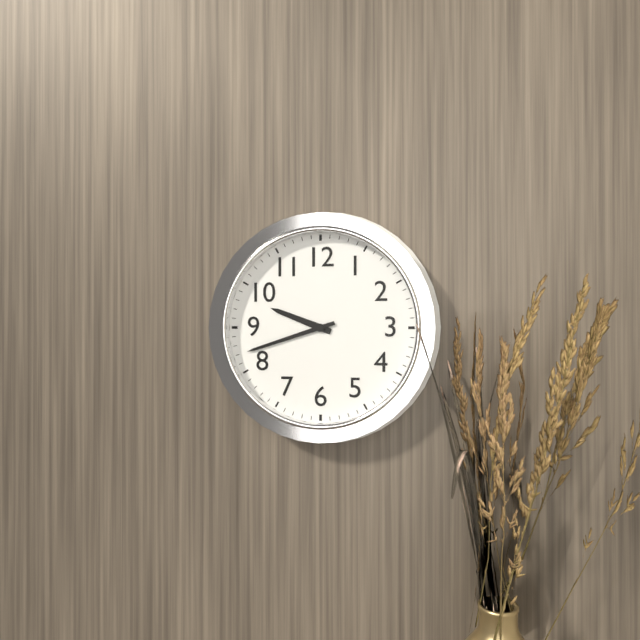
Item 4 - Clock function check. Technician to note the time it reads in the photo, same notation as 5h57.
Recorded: 9h42
